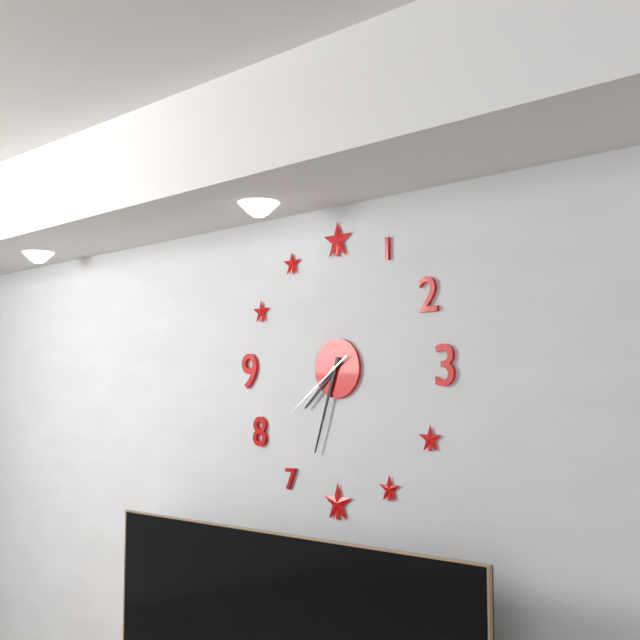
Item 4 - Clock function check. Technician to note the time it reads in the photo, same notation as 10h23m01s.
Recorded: 7h33m39s
